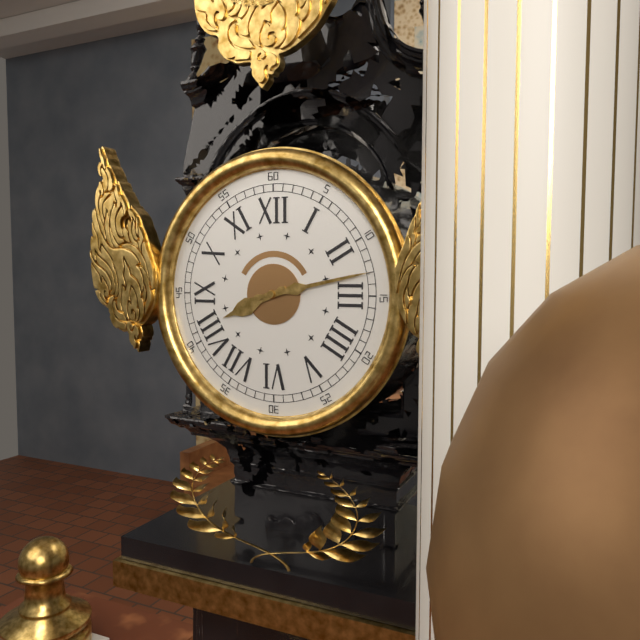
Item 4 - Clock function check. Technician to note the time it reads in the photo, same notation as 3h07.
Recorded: 8h13
